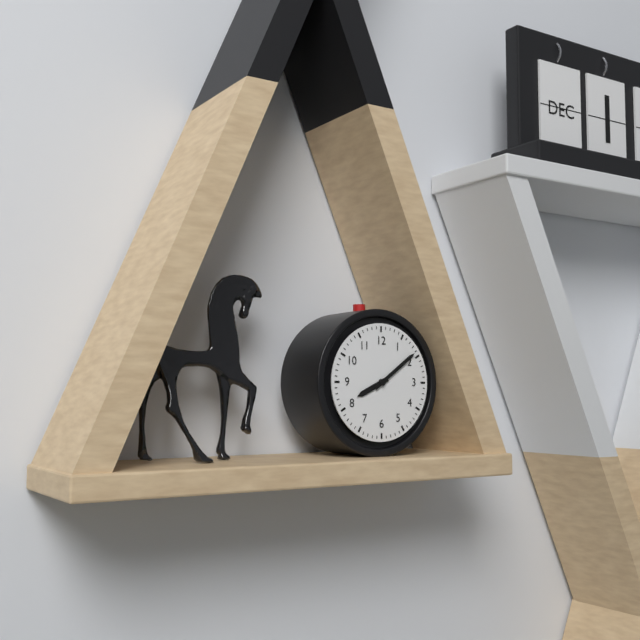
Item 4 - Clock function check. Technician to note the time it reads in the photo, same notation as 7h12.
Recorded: 8h09
